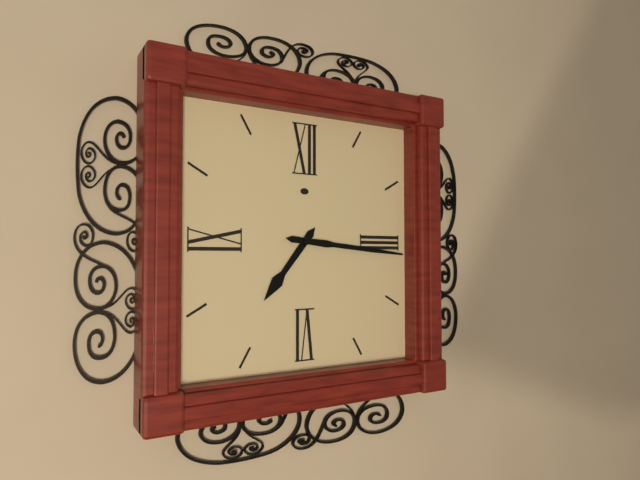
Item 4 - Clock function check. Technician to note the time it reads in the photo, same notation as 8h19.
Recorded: 7h16
